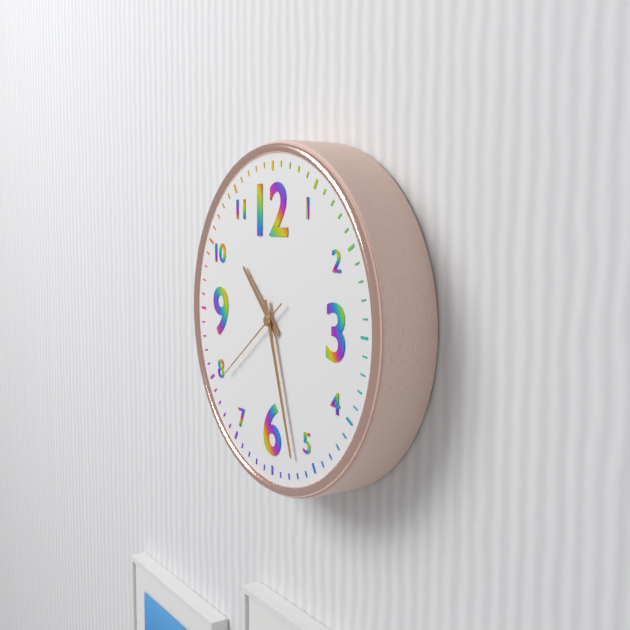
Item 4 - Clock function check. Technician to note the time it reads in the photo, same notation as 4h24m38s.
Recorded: 10h27m39s
